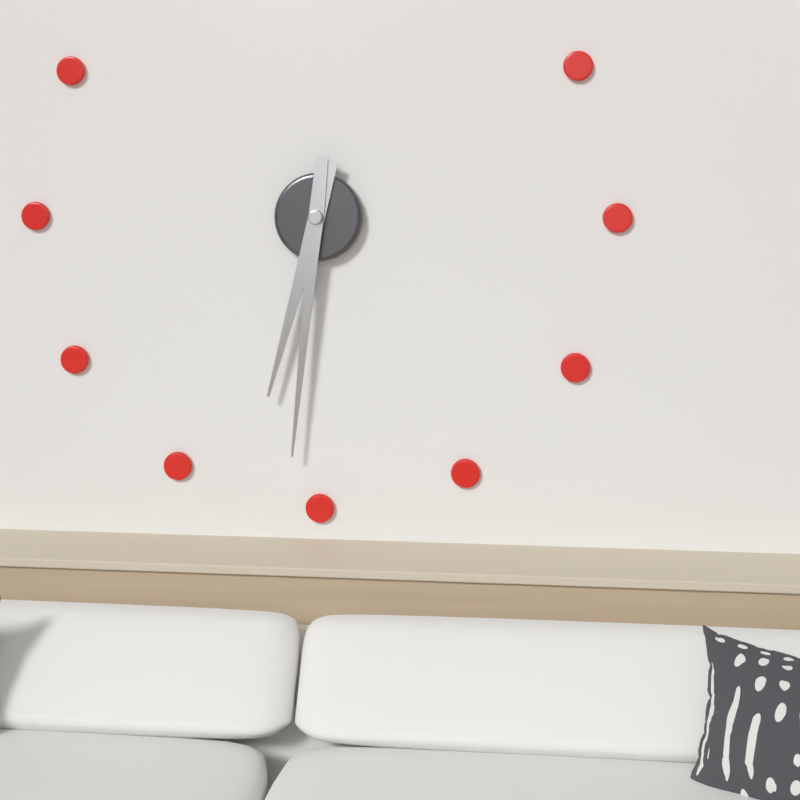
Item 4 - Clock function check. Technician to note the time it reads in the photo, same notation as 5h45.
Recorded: 6h31
